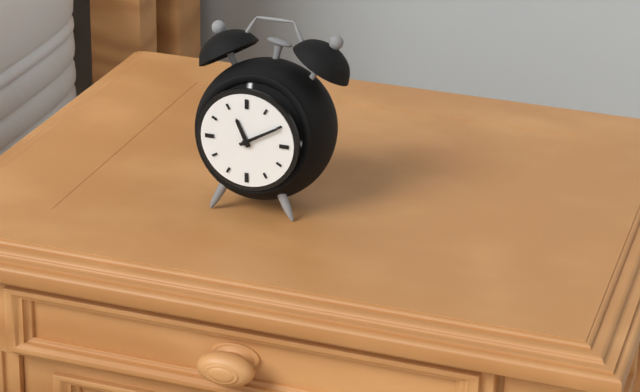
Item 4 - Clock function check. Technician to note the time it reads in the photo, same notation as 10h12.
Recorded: 11h10
